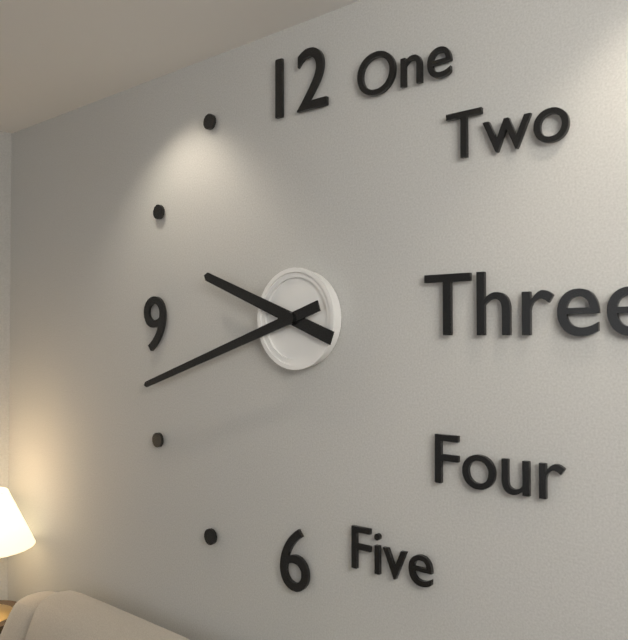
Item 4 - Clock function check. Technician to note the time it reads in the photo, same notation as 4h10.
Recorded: 9h42
